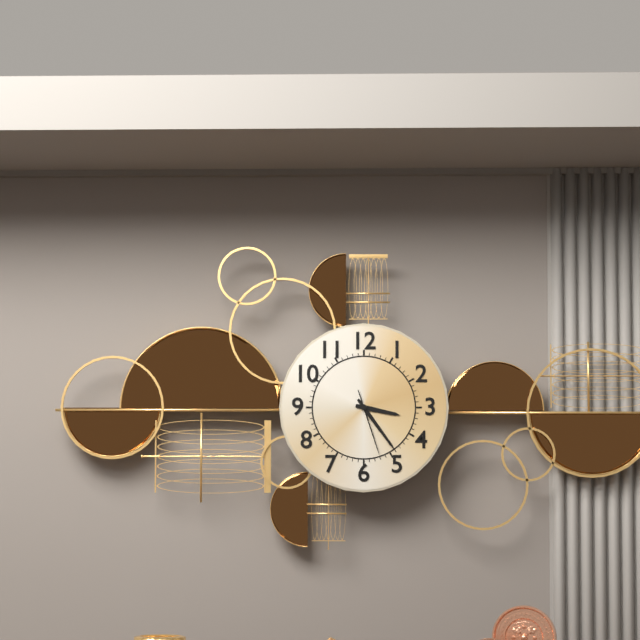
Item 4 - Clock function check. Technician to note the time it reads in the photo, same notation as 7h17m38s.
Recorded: 3h24m27s
